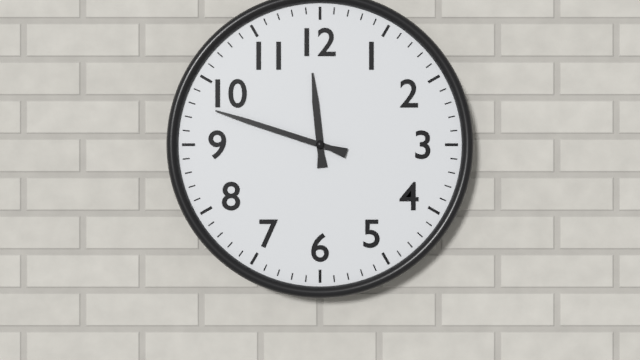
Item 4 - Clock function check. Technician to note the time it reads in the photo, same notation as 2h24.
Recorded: 11h48
